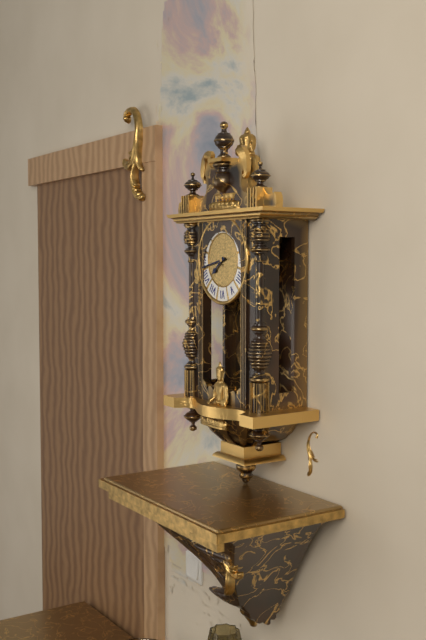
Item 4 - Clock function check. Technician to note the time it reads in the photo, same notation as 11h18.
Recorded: 7h43
